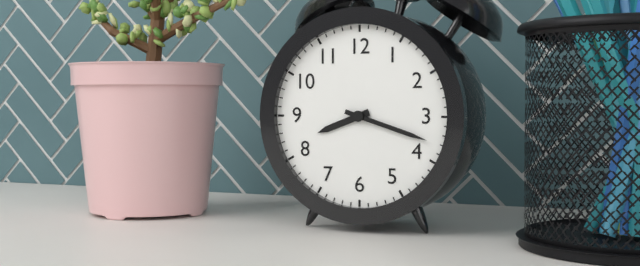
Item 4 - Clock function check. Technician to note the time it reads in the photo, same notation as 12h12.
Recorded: 8h18
